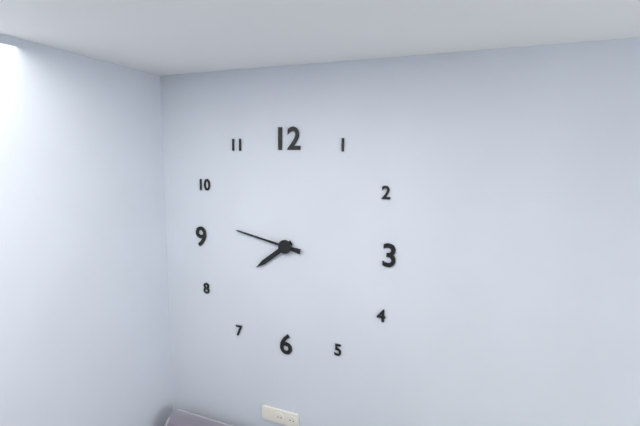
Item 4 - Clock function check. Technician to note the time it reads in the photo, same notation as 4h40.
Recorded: 7h47
